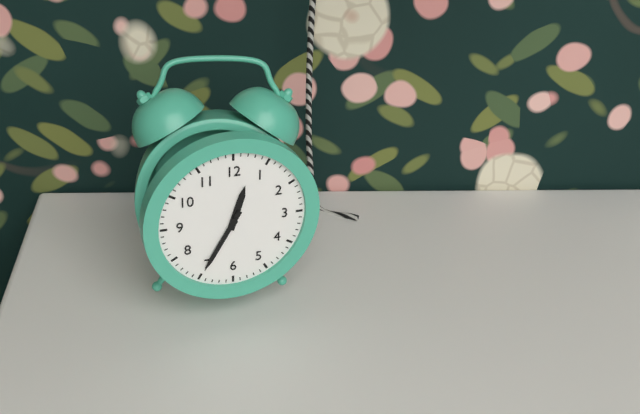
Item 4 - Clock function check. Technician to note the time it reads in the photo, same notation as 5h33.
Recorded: 12h35
